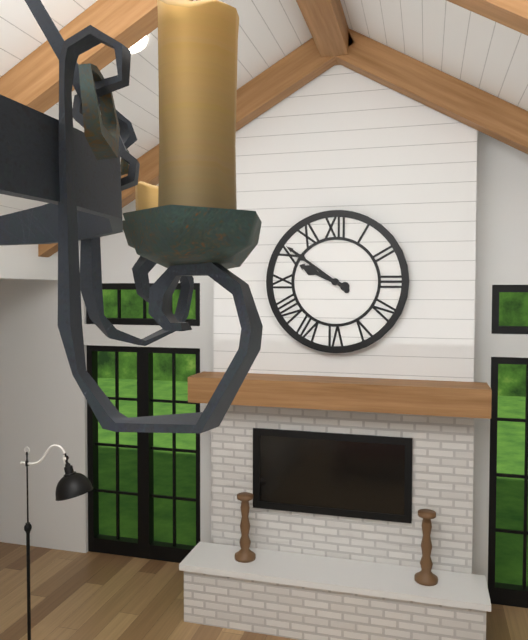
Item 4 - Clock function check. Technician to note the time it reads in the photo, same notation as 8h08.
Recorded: 9h51
